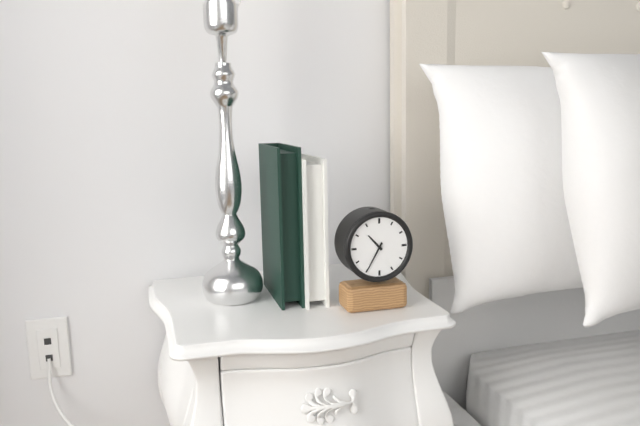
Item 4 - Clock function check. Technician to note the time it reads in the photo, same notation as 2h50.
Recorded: 10h35
